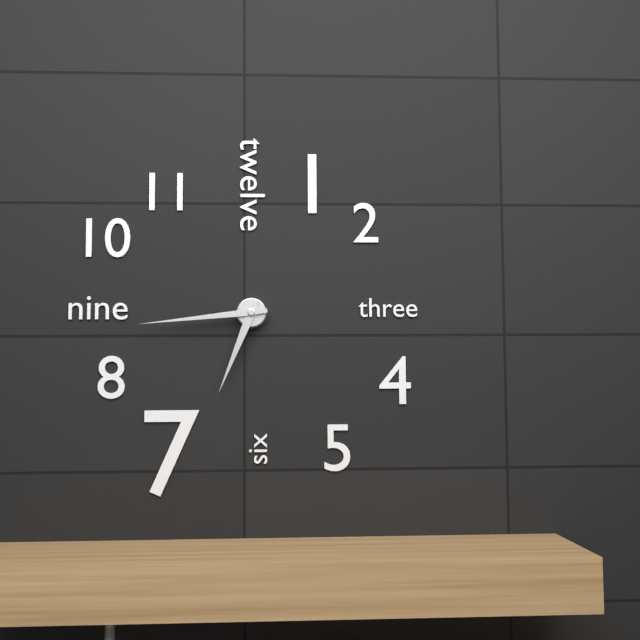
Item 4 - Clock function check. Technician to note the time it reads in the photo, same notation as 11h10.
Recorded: 6h44
